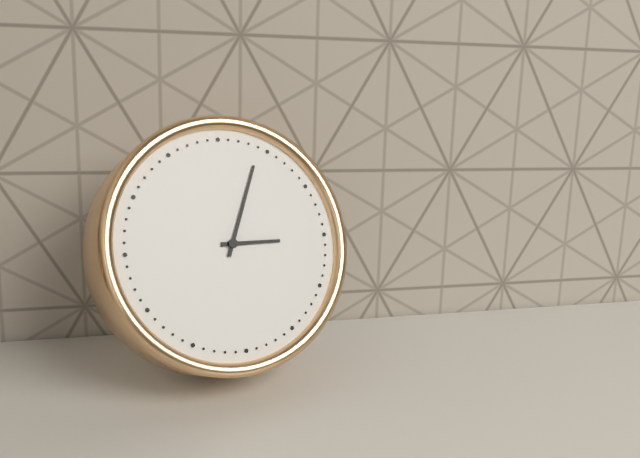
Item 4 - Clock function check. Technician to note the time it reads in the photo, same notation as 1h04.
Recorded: 3h04
